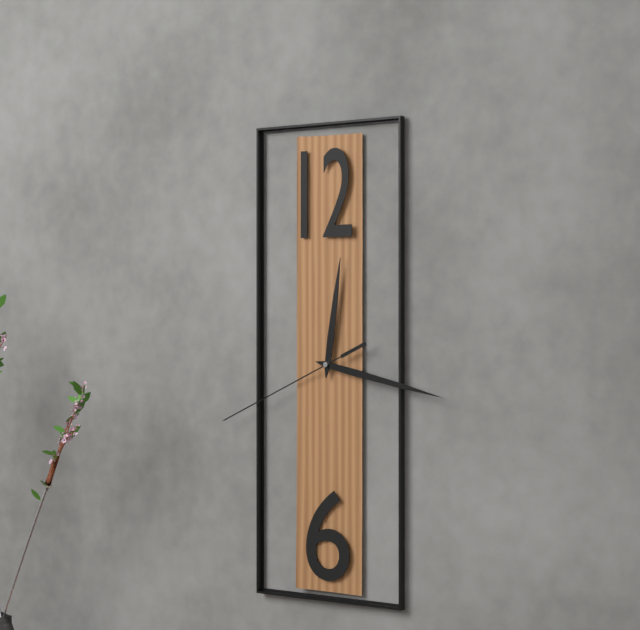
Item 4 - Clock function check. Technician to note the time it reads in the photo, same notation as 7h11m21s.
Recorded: 12h17m41s
